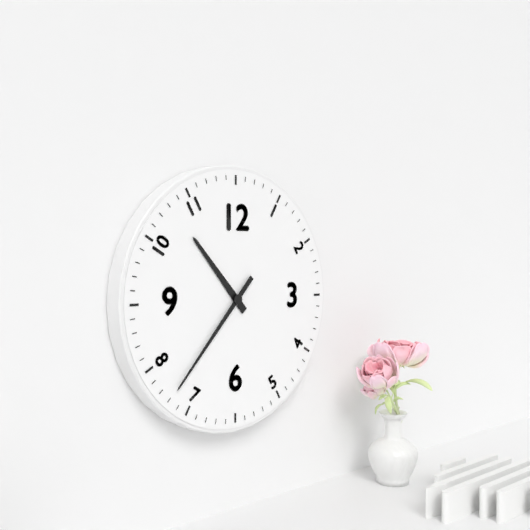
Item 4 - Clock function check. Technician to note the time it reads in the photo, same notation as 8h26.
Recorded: 10h37
